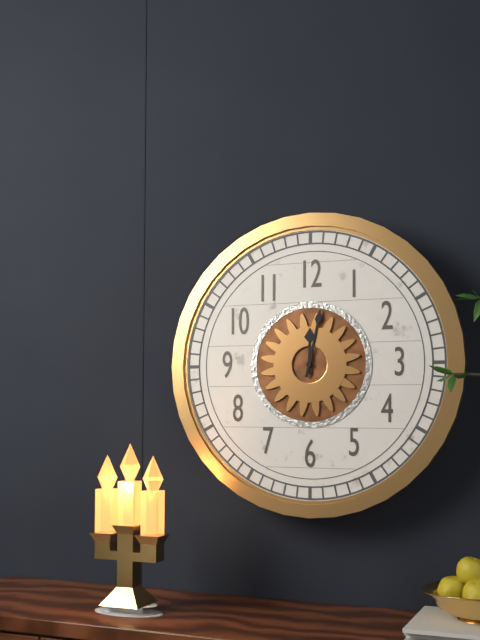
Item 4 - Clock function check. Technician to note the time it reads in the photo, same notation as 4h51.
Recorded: 12h02
